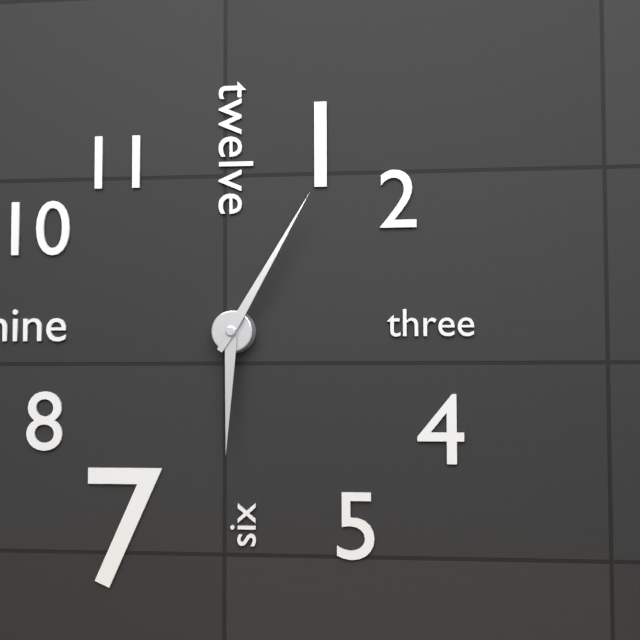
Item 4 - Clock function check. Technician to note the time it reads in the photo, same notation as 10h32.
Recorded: 6h05
